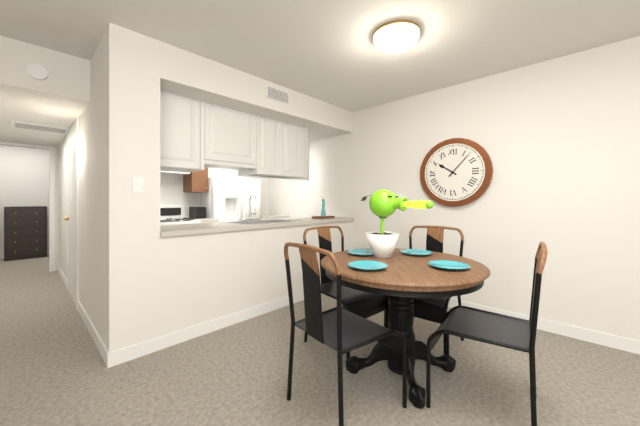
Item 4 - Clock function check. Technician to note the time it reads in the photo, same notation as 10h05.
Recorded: 10h07
